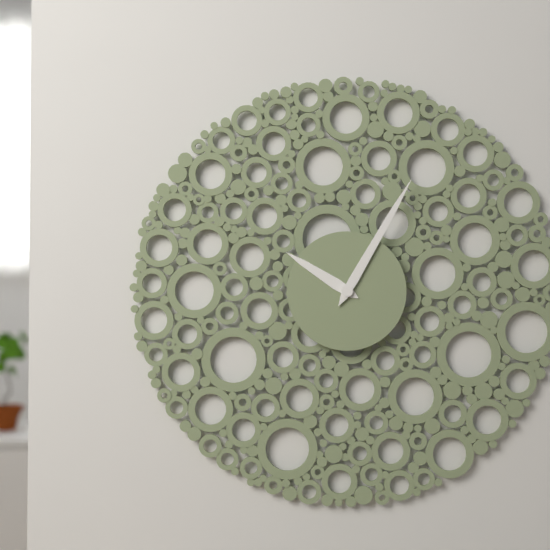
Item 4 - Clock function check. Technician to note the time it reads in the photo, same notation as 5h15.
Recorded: 10h05
